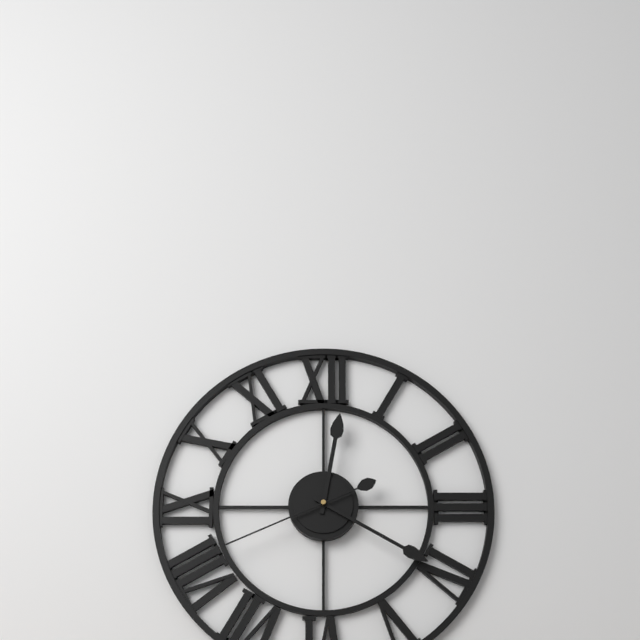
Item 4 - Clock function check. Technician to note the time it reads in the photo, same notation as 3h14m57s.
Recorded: 12h20m41s
